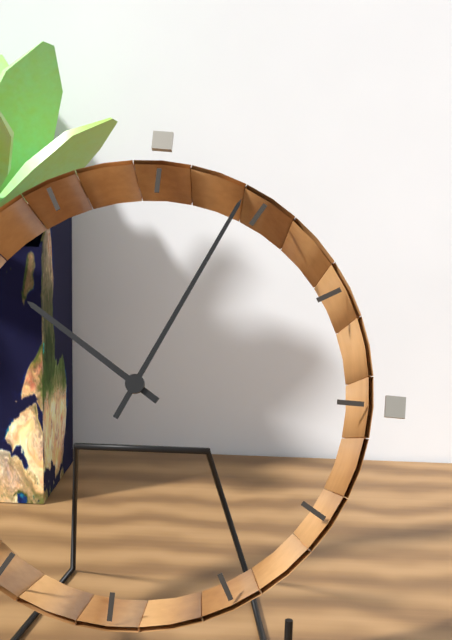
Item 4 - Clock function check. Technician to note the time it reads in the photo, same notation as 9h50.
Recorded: 10h04
